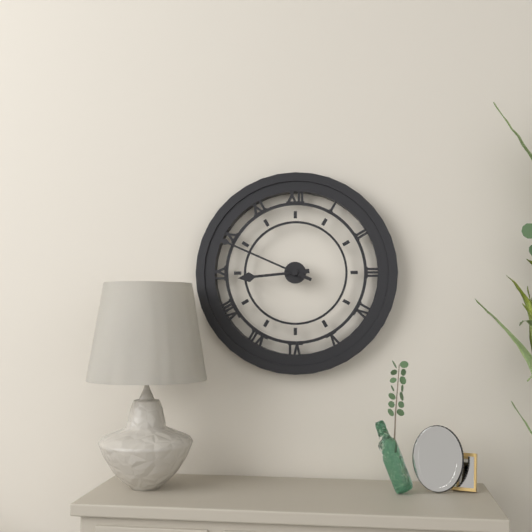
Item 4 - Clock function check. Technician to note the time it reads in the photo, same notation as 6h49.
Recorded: 8h49
